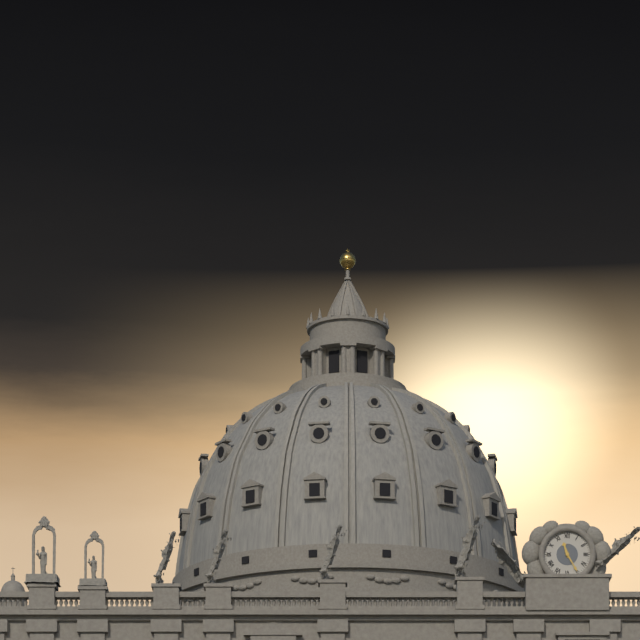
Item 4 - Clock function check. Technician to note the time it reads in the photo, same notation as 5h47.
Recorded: 11h25
